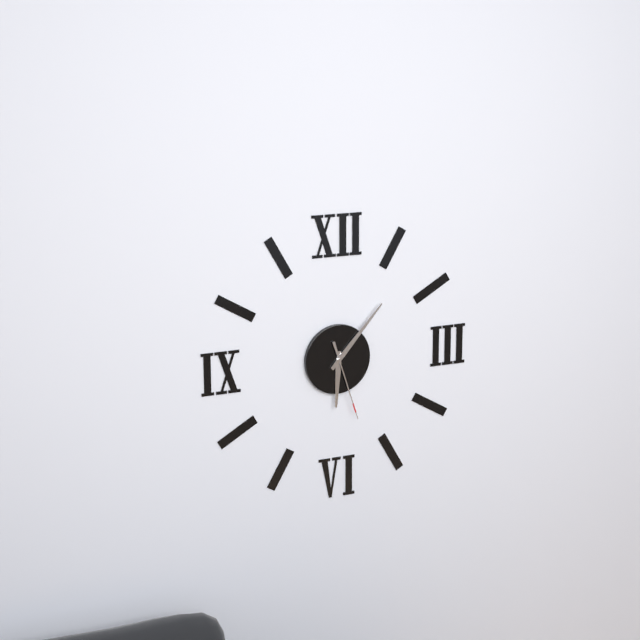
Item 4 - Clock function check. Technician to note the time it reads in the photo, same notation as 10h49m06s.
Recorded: 6h07m27s
